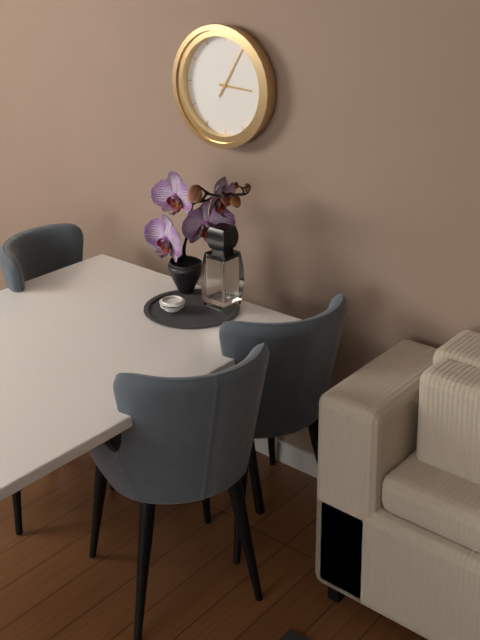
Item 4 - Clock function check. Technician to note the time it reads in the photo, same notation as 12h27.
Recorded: 3h05
